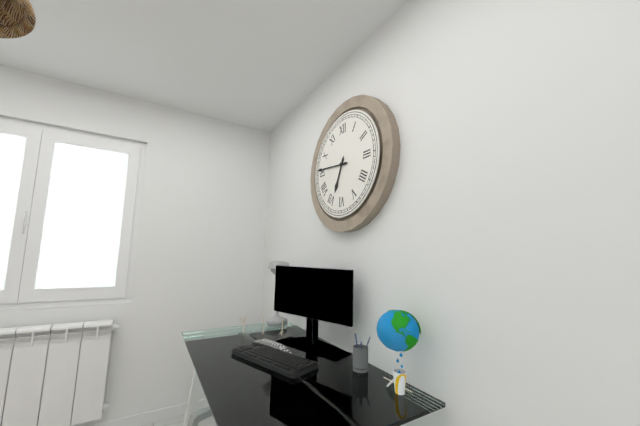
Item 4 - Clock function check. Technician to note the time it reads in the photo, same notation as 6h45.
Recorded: 6h46
